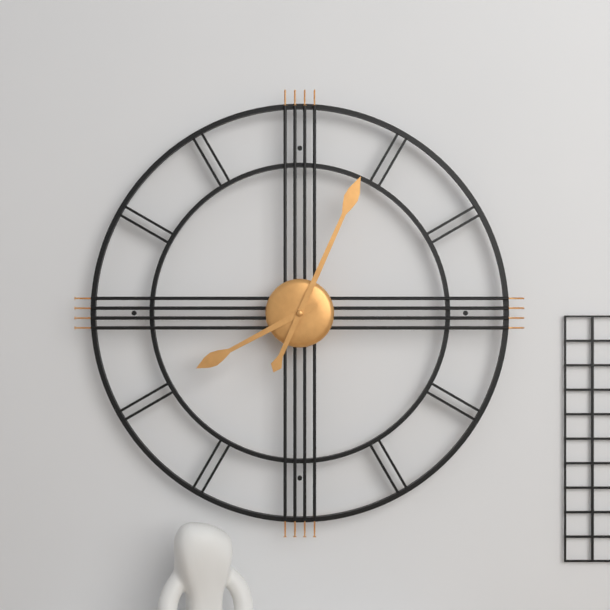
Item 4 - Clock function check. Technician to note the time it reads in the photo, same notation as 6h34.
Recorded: 8h04
